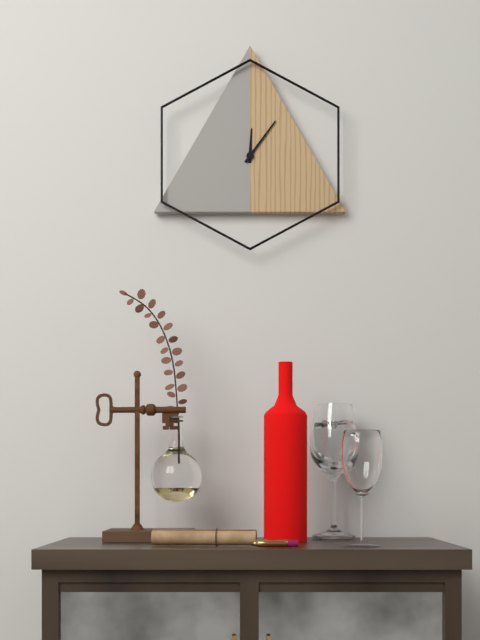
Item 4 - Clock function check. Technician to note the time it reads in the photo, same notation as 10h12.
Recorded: 12h06
